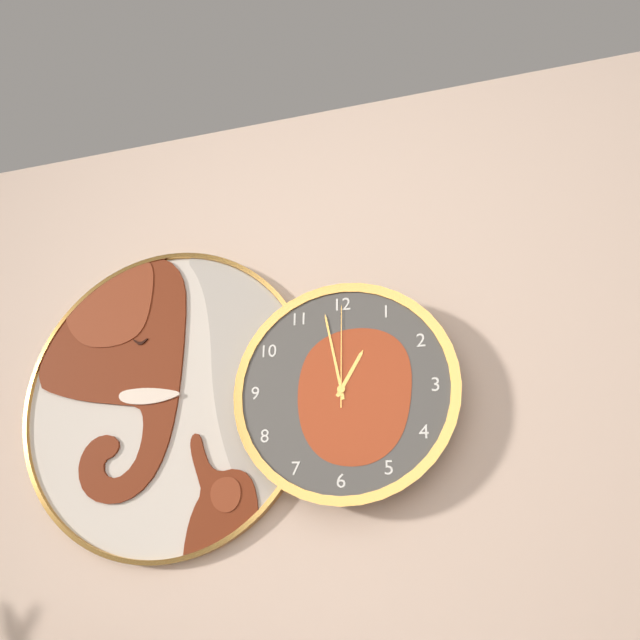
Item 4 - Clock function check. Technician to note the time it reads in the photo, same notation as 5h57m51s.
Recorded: 12h58m00s
